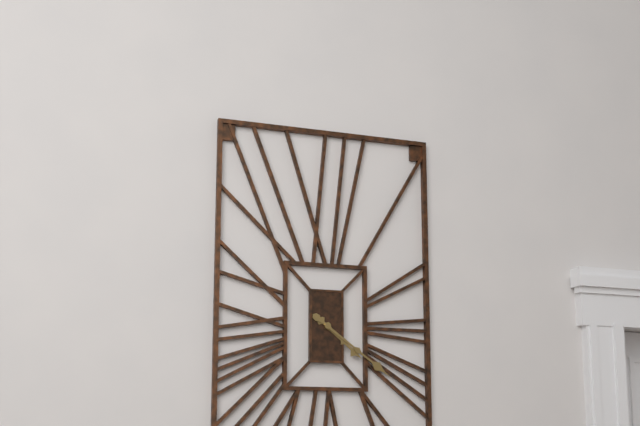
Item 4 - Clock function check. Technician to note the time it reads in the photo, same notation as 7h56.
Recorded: 4h21
